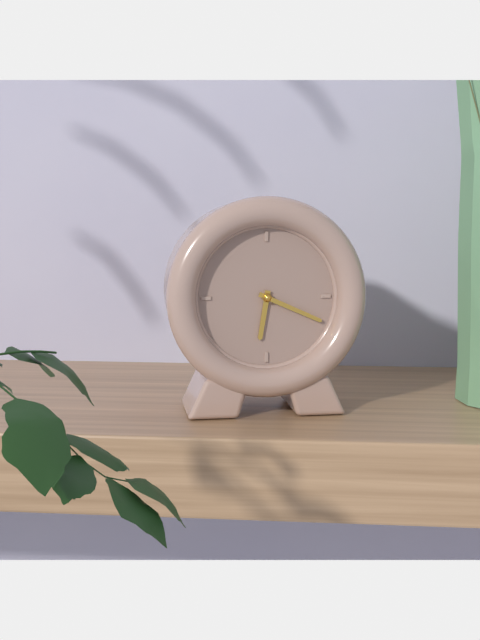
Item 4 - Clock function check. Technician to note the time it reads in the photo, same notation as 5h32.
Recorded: 6h19
